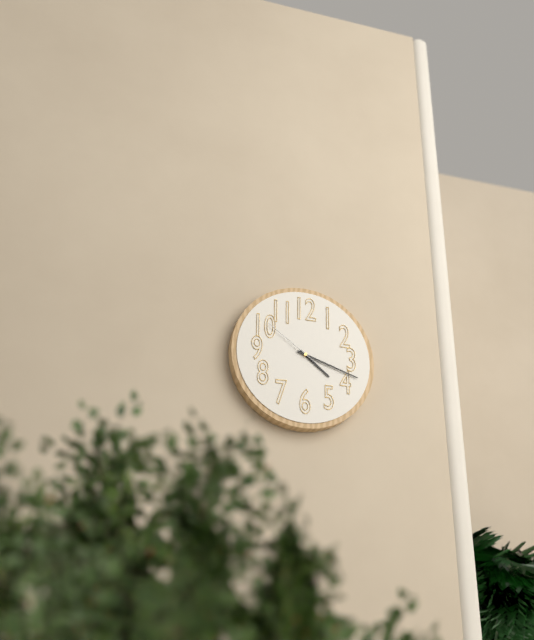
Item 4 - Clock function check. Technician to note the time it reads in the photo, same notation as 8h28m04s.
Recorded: 4h18m51s
